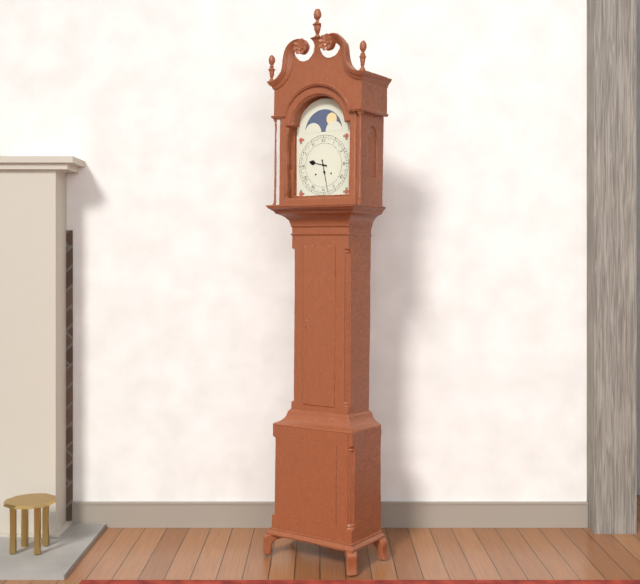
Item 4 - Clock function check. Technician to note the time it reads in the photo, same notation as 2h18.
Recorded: 9h28
